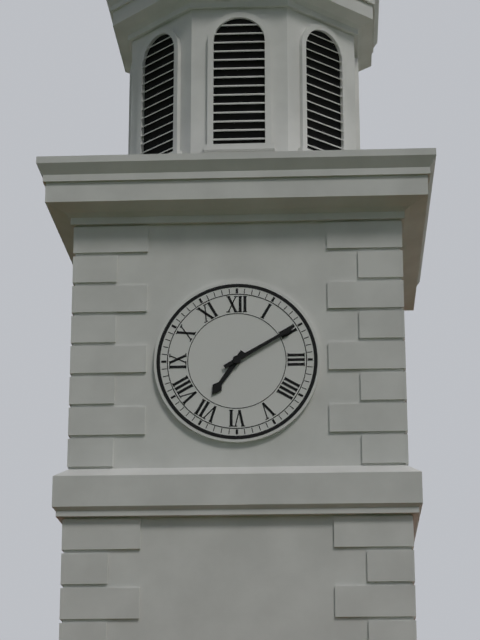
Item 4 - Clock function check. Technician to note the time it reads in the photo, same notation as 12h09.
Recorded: 7h10
